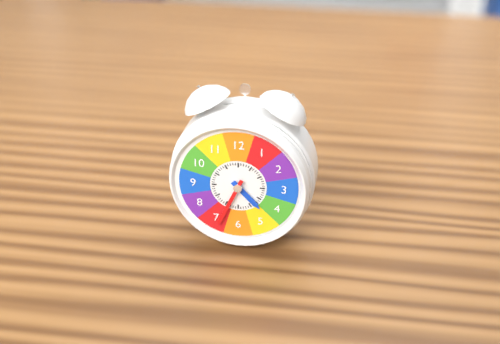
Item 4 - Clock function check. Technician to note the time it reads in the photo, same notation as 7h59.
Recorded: 4h34
